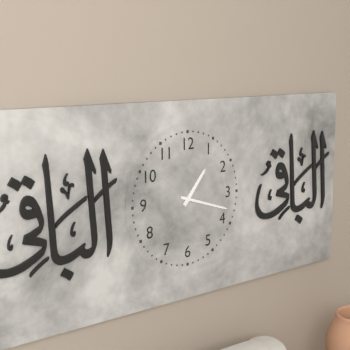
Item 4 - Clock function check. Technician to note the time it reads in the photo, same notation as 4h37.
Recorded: 1h18
